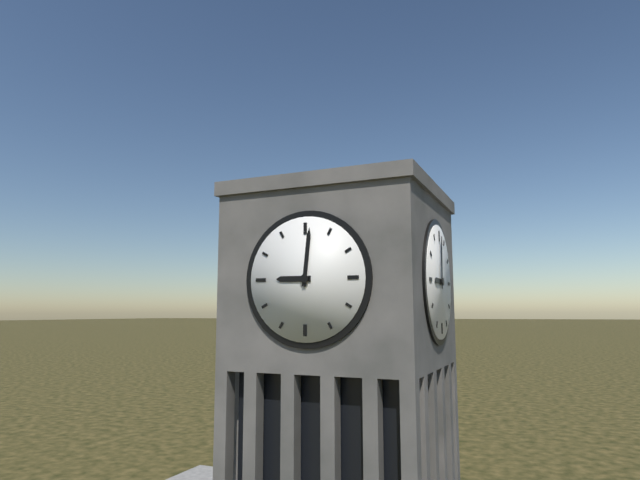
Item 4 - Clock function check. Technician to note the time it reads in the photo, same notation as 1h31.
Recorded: 9h01
